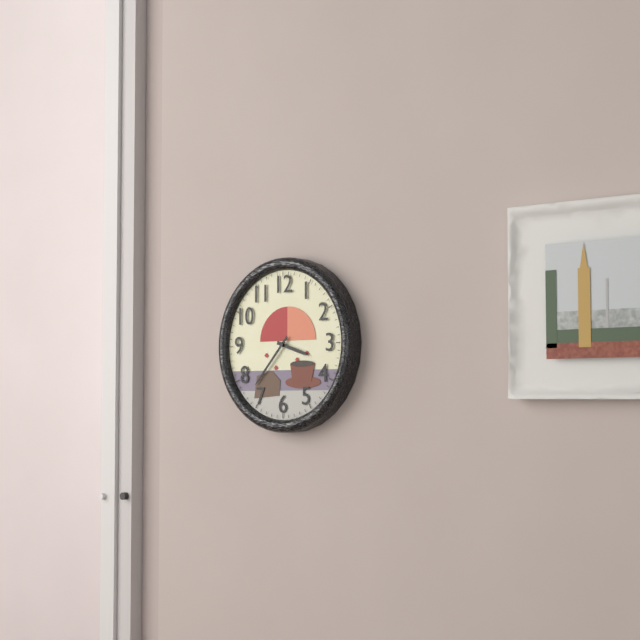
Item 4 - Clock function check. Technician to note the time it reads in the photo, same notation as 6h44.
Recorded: 3h37
